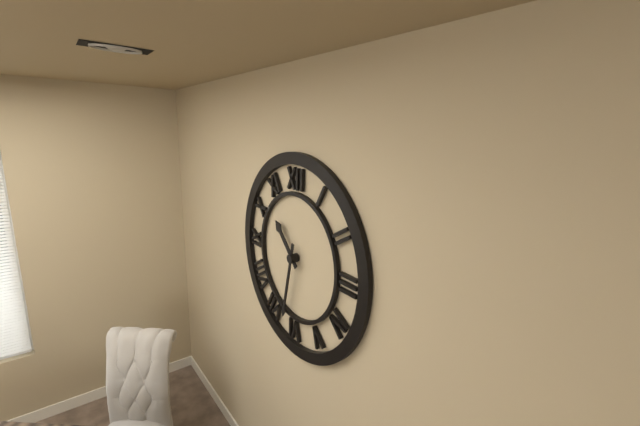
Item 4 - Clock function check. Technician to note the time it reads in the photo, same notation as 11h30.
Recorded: 10h32
